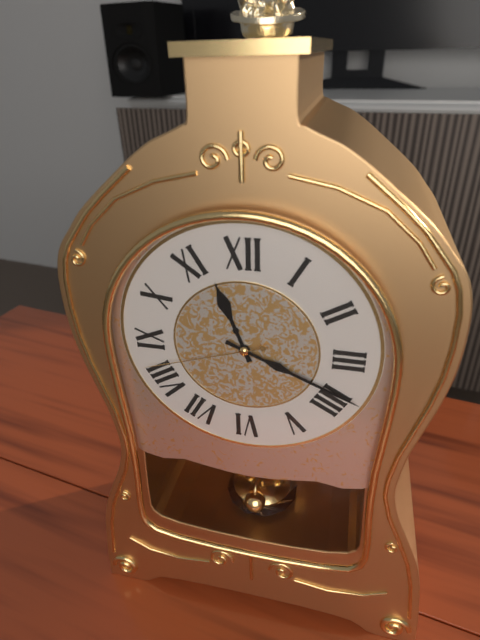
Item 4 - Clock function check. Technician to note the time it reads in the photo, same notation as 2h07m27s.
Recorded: 11h19m42s
